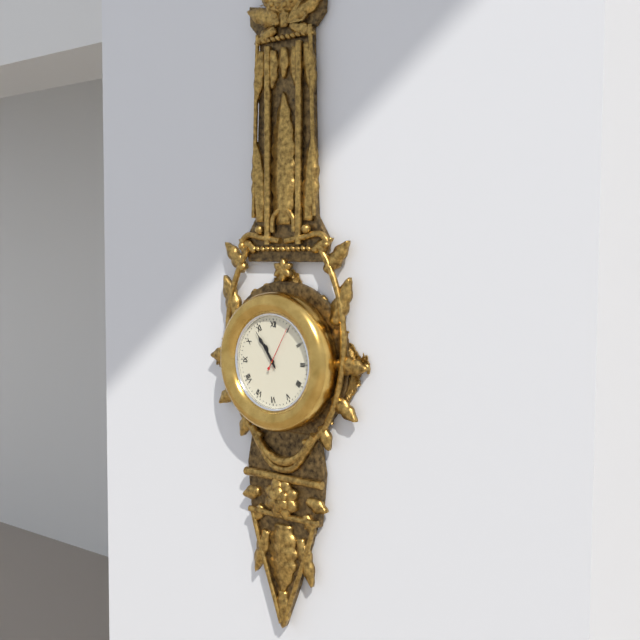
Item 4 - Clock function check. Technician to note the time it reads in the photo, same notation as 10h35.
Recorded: 10h54
